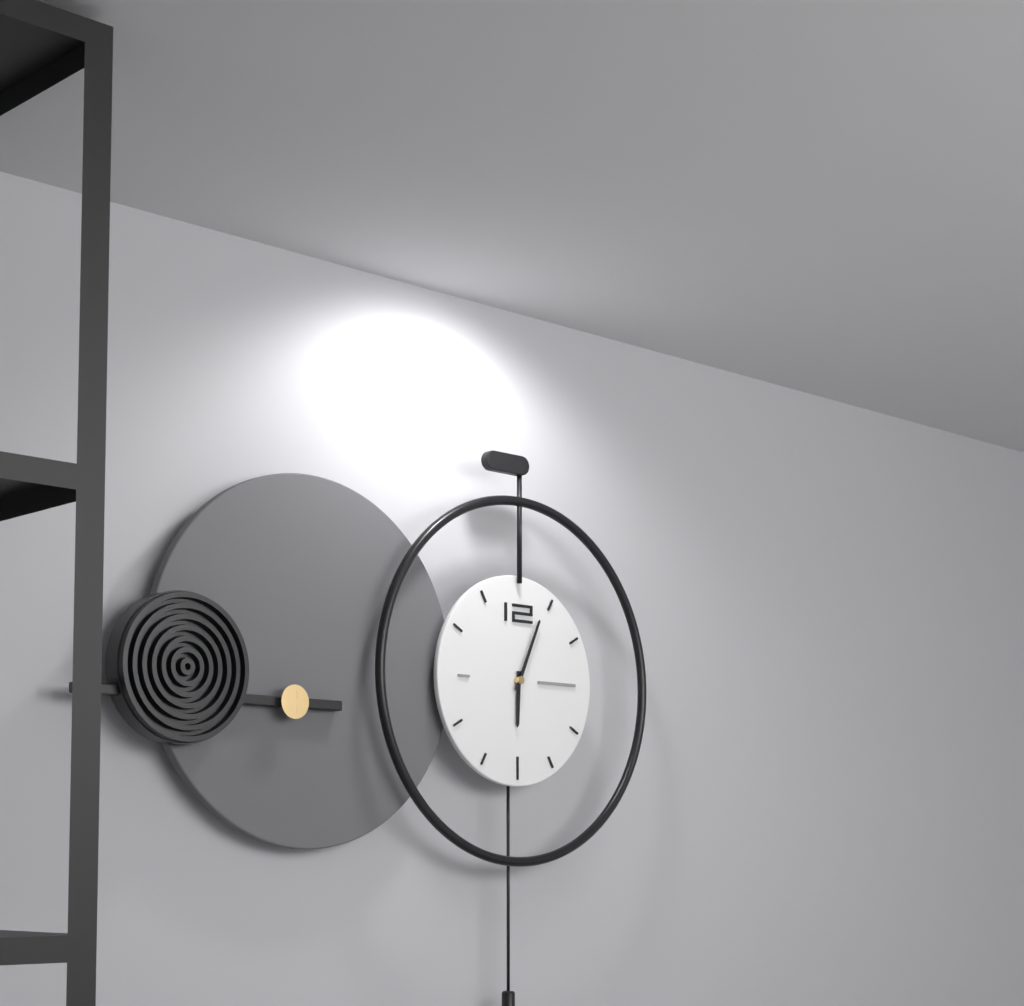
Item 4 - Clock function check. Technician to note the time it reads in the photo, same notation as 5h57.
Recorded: 6h04
